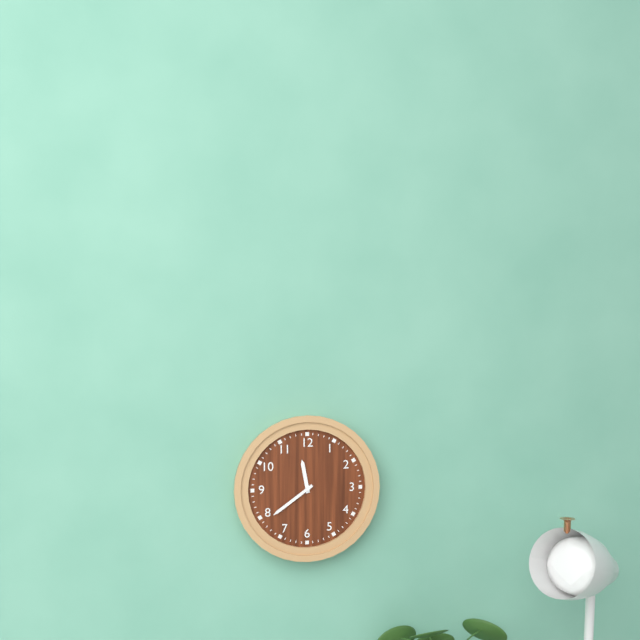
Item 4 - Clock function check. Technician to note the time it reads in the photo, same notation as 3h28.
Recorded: 11h39
